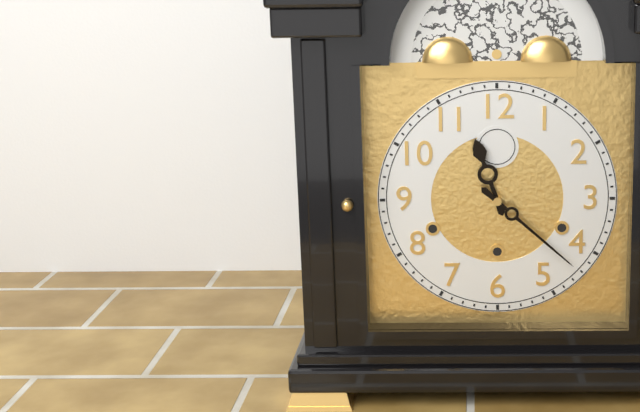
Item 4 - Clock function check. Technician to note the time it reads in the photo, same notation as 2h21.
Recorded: 11h22
